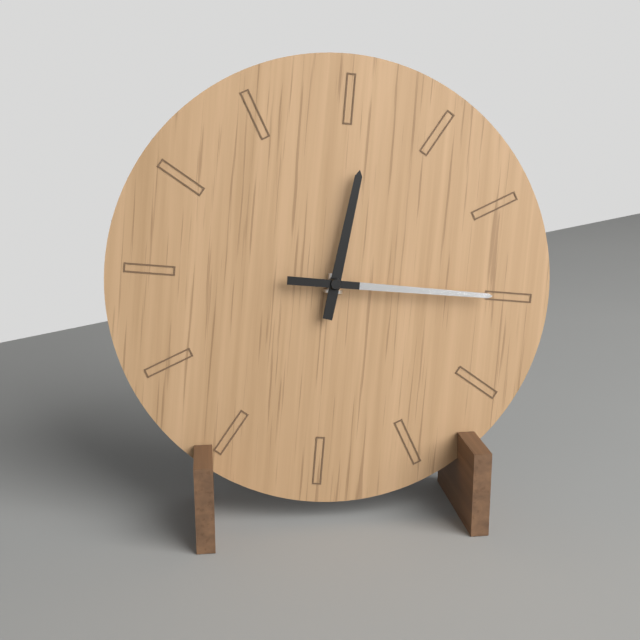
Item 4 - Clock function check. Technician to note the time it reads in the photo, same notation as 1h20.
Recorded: 12h15
